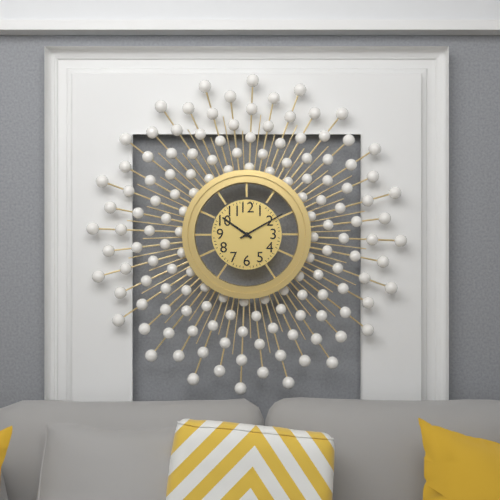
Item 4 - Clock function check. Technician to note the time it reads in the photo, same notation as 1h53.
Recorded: 10h10
